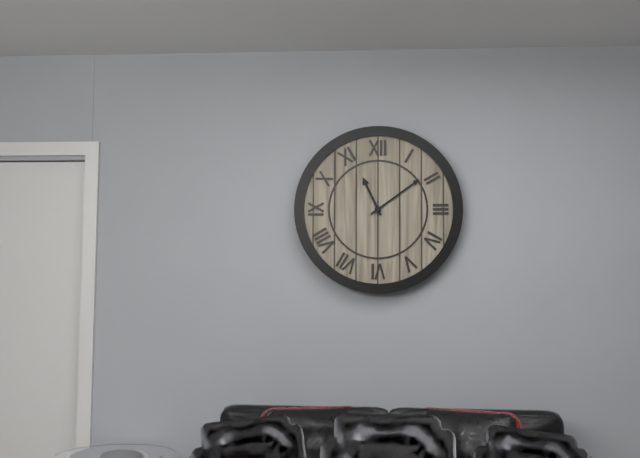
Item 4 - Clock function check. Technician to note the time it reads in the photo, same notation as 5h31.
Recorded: 11h09
